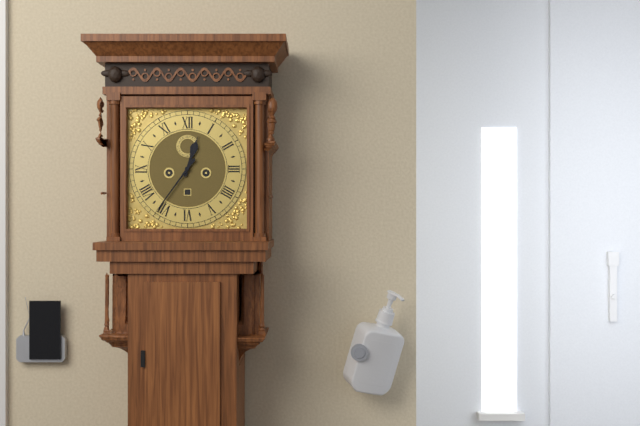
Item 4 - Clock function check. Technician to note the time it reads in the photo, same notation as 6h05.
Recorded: 12h36
